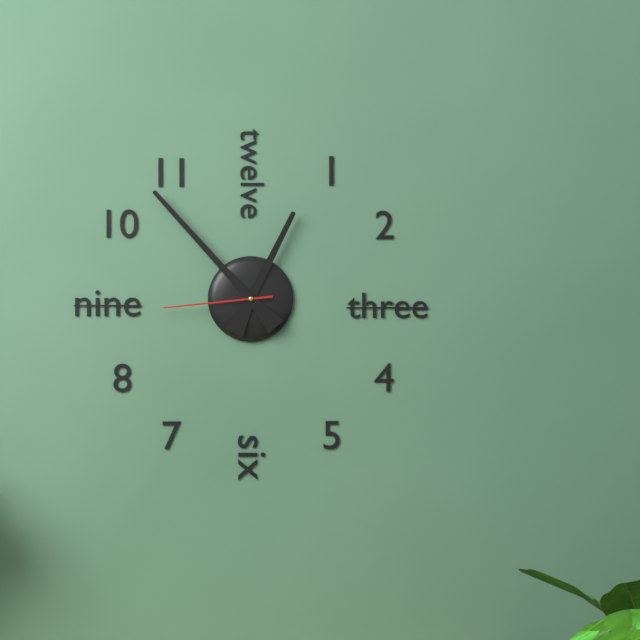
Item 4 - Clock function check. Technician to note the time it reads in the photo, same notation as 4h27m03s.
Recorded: 12h53m44s
